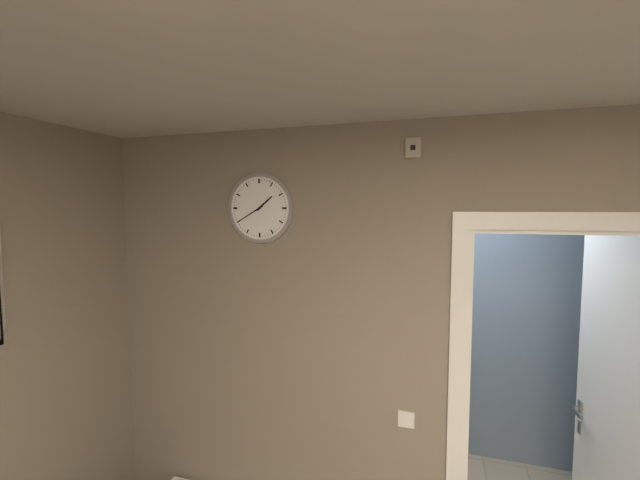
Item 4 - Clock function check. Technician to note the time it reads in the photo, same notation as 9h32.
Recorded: 1h40
